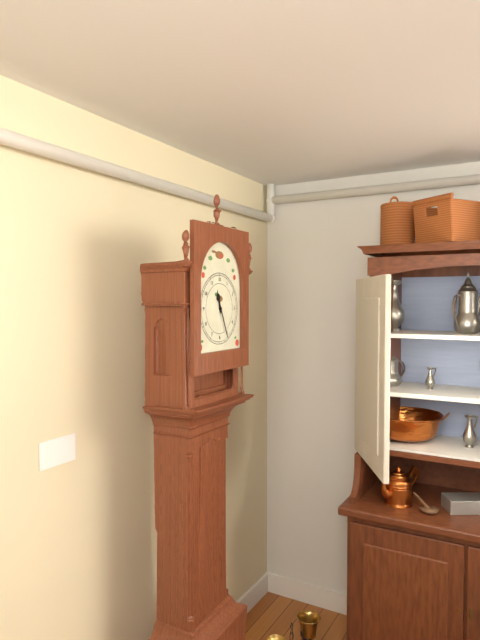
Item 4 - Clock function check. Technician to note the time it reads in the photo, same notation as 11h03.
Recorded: 11h26
